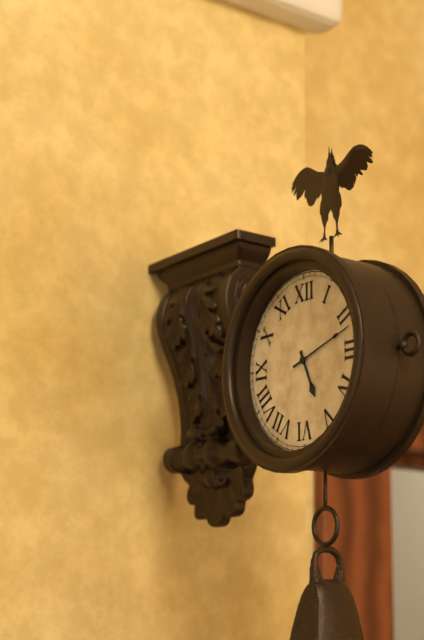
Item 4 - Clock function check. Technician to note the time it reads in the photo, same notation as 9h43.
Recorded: 5h12
